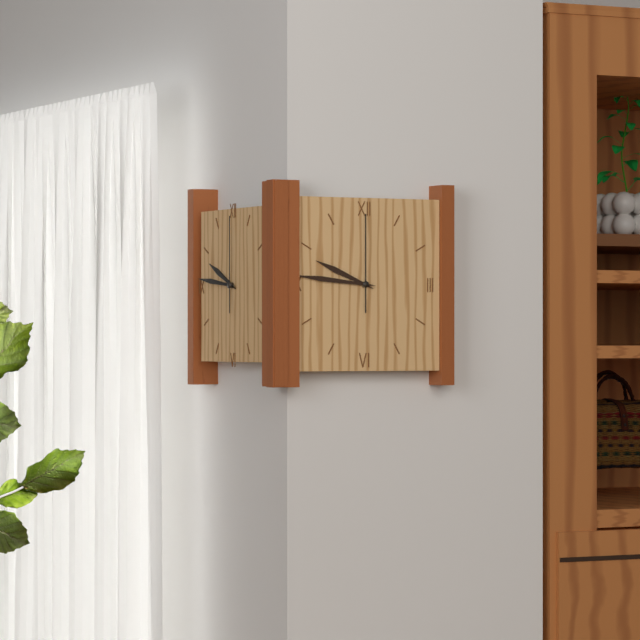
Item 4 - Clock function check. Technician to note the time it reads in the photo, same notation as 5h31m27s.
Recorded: 9h46m00s
